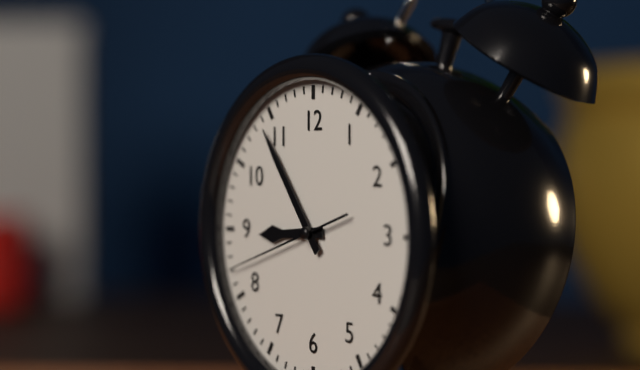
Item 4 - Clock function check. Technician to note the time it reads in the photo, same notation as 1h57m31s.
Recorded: 8h54m42s
